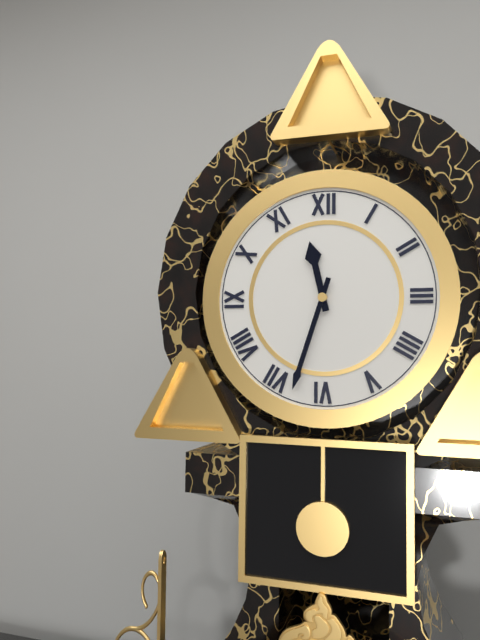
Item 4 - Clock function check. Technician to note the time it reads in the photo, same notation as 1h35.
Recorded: 11h33
